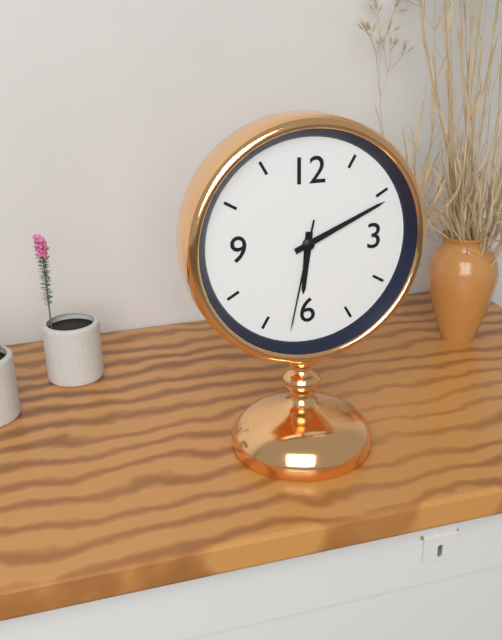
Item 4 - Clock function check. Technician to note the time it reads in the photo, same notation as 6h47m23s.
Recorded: 6h11m32s
